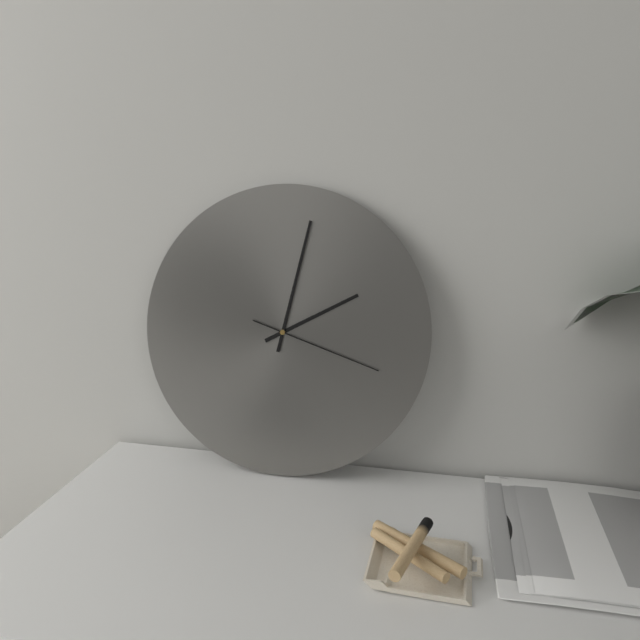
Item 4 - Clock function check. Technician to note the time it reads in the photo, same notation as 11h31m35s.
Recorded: 2h02m18s
